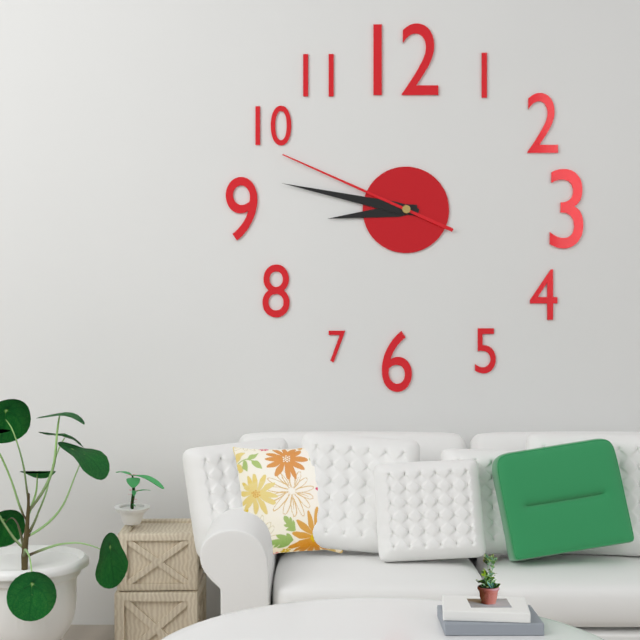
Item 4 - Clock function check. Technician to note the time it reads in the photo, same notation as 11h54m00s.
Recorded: 8h47m49s
